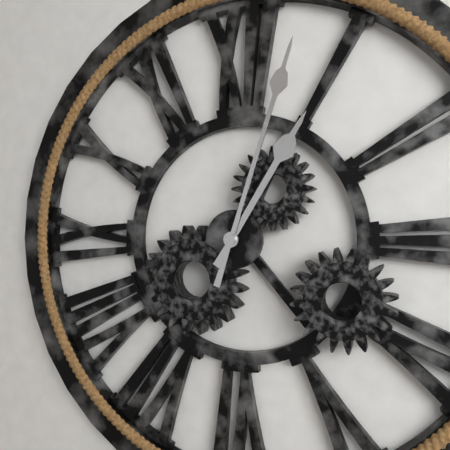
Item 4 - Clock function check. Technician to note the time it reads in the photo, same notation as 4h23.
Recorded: 1h03
